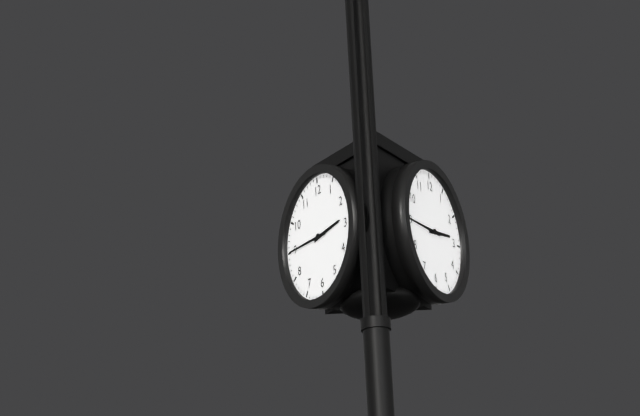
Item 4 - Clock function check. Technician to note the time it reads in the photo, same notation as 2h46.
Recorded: 2h45
